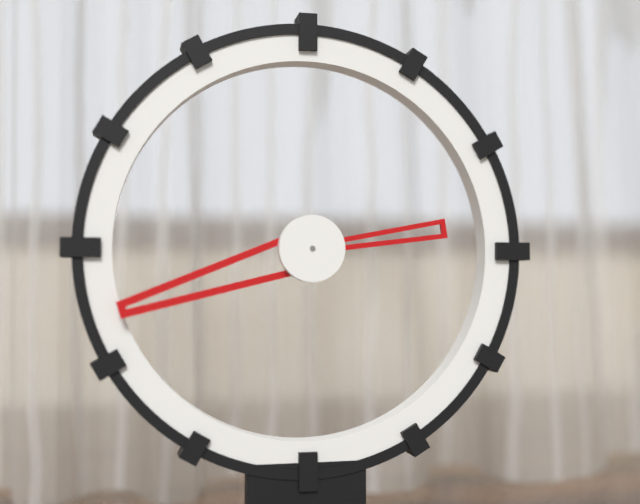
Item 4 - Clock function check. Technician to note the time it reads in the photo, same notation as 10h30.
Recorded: 2h42
